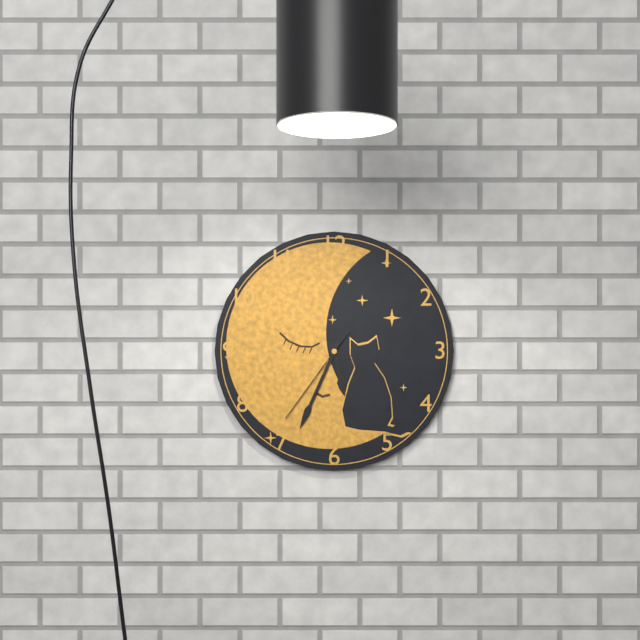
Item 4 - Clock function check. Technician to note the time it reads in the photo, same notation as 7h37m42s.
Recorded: 5h34m36s
